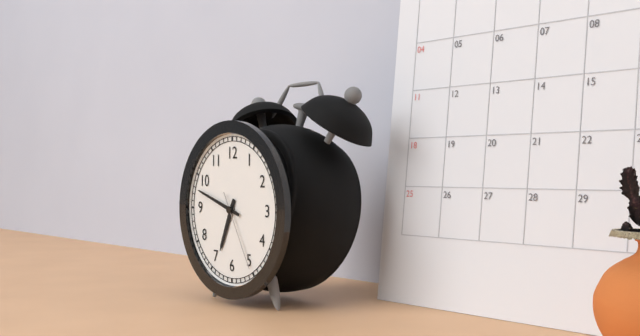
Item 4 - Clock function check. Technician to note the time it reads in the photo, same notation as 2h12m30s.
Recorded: 6h48m25s
